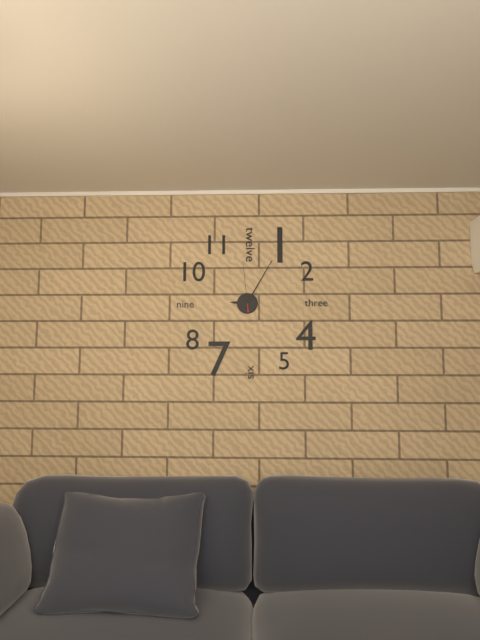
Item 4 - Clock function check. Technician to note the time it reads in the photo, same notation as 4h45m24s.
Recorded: 9h05m59s
